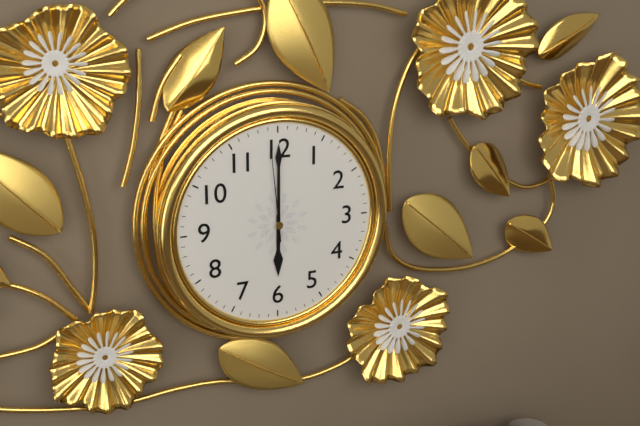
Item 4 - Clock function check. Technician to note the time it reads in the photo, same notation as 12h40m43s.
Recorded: 6h00m59s
